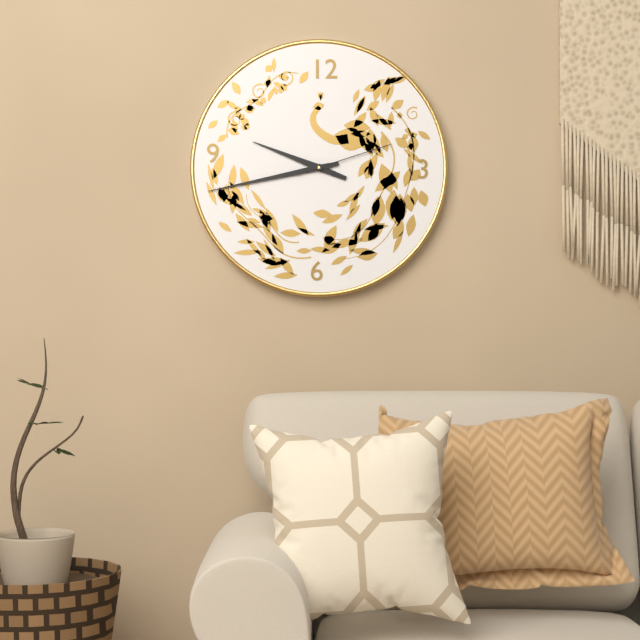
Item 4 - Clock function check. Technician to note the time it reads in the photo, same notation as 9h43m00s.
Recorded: 9h43m12s
